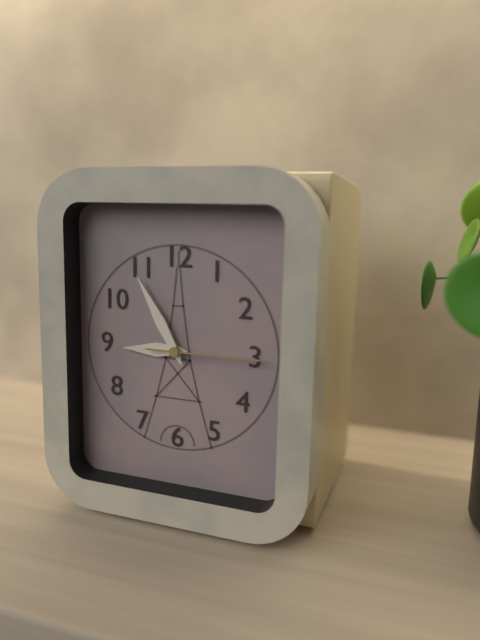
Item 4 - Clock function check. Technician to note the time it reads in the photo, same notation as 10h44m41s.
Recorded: 8h55m15s
